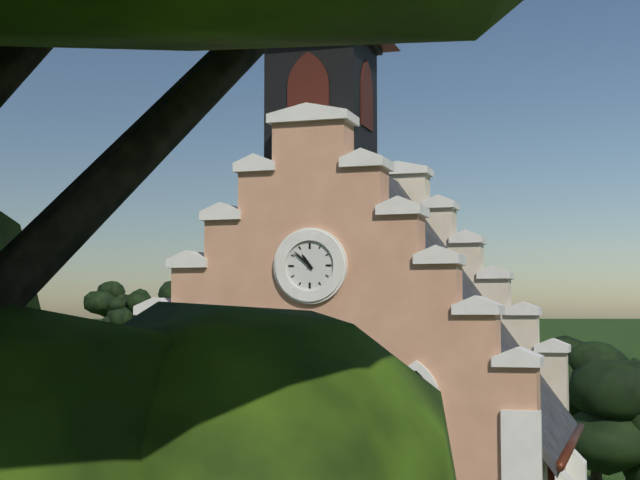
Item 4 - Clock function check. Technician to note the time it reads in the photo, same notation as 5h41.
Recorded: 10h52
